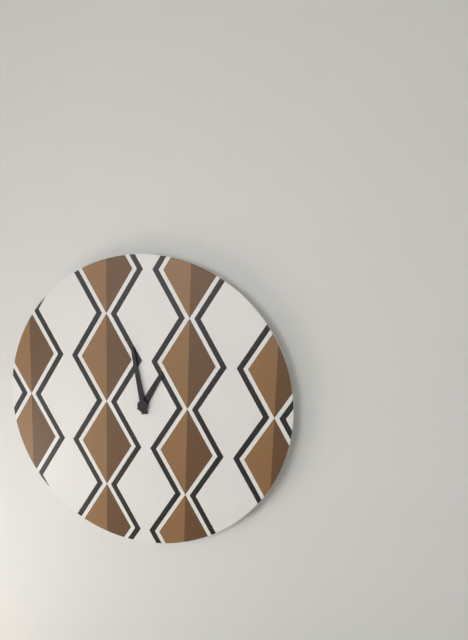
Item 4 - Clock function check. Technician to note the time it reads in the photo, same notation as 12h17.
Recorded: 12h58
